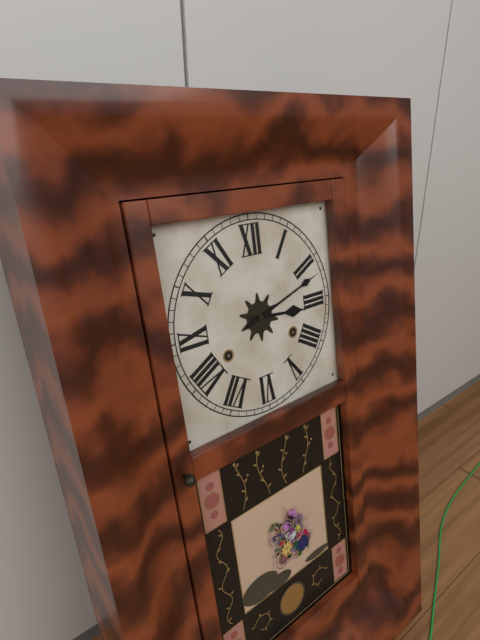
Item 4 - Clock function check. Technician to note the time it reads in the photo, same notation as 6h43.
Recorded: 3h12
